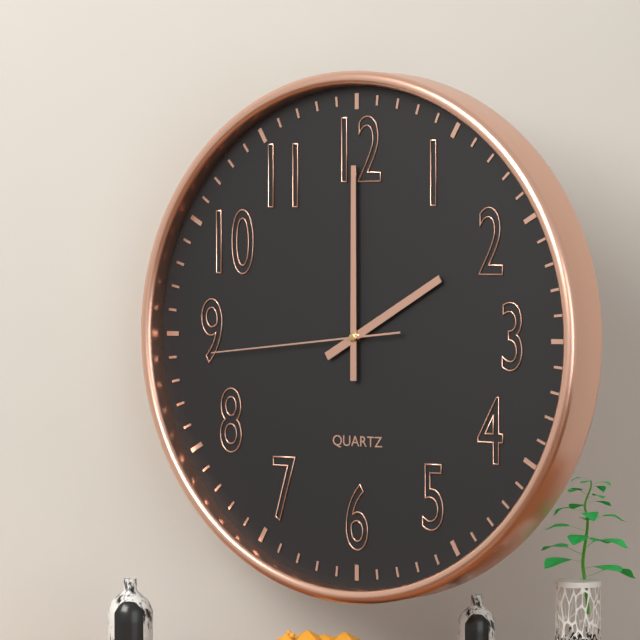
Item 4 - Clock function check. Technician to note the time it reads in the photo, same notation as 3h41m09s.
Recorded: 2h00m44s
